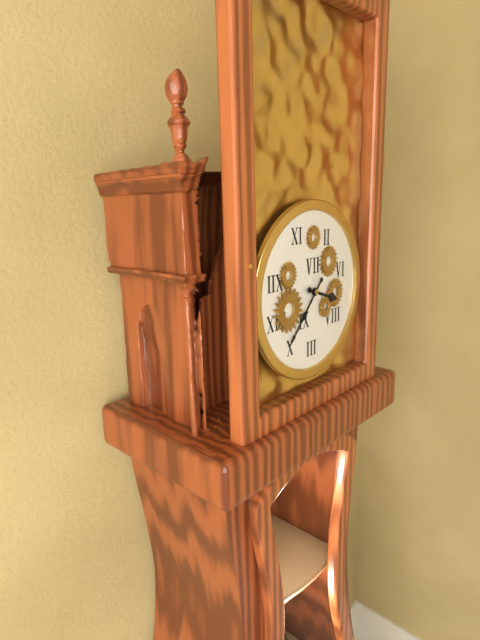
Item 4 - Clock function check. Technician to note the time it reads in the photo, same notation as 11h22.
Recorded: 3h37
